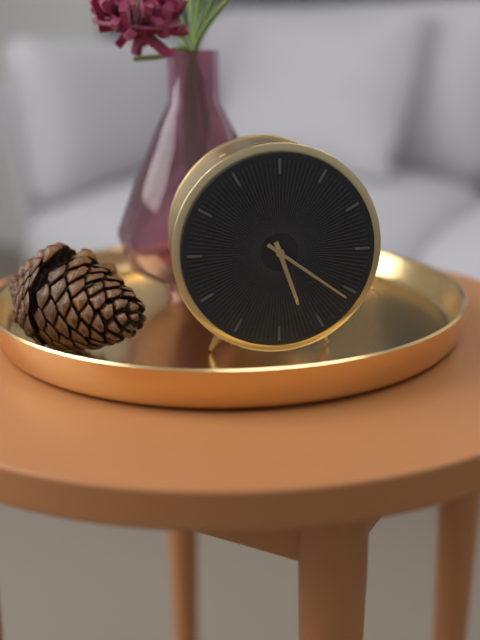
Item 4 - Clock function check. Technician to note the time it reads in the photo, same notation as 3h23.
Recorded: 5h21
